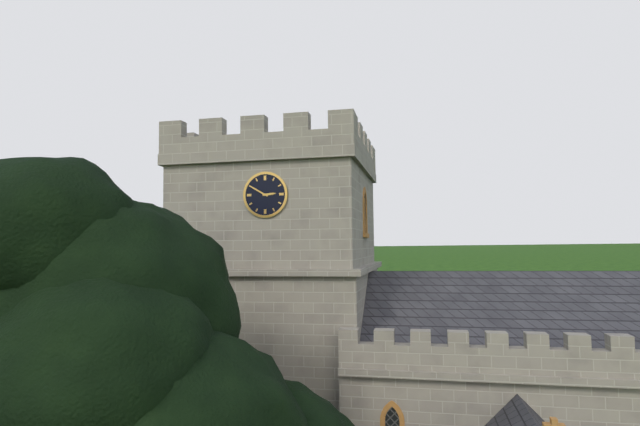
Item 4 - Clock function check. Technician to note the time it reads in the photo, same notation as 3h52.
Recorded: 2h50
